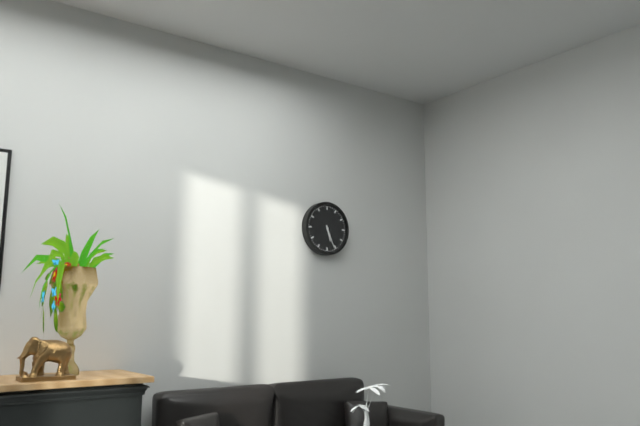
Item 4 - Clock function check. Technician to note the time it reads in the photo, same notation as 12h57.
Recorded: 5h26
